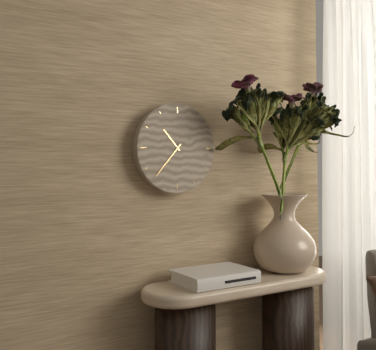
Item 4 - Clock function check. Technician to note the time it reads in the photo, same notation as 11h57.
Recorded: 10h37
